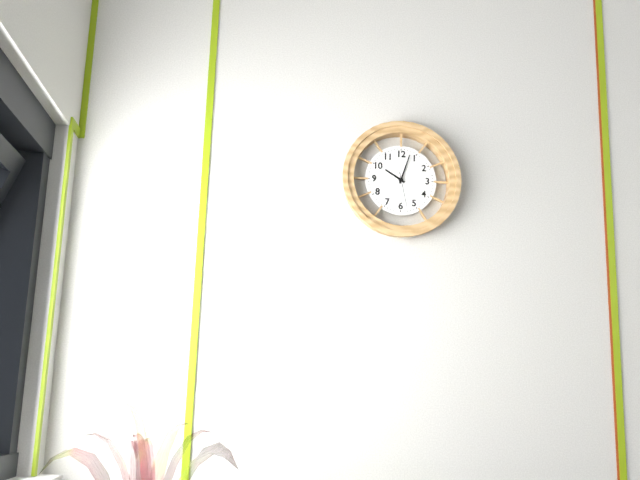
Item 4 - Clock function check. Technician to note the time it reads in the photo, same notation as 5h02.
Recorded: 10h03
